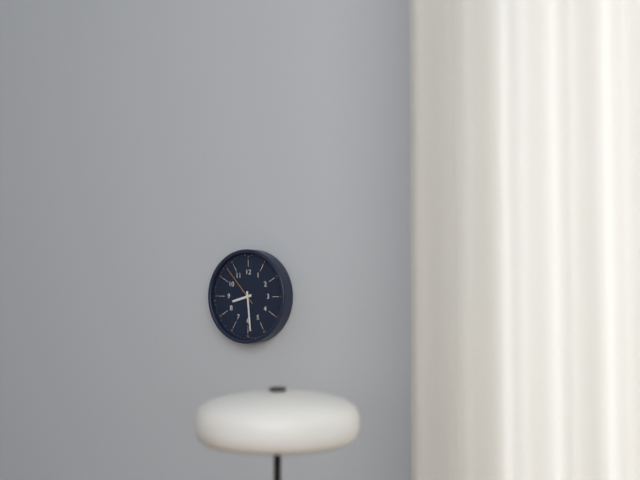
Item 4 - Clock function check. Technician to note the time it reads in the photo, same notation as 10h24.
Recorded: 8h29
